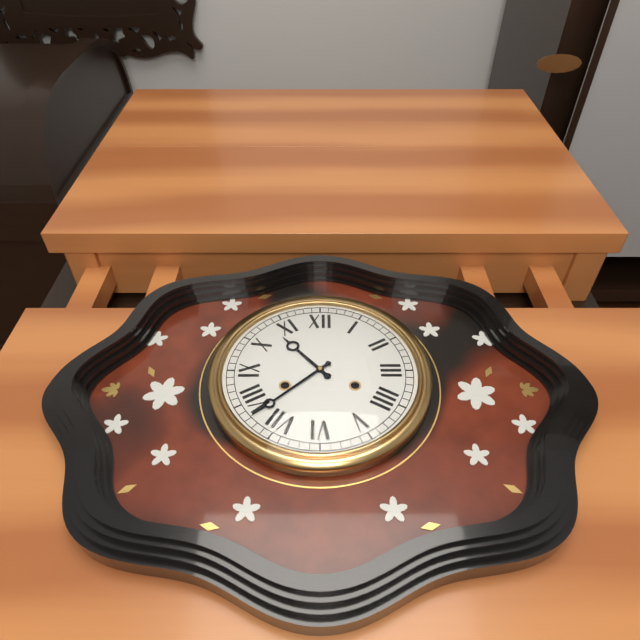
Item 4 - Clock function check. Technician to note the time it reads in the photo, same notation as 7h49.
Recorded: 10h38
